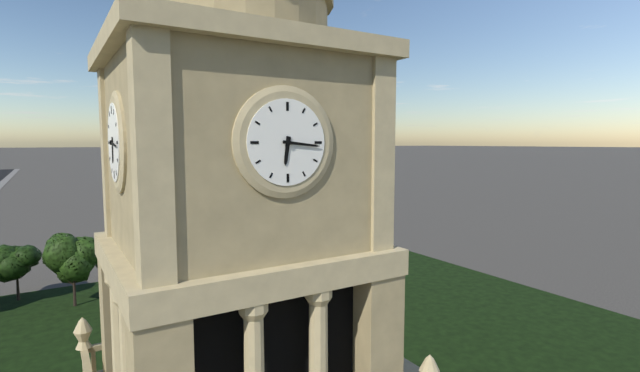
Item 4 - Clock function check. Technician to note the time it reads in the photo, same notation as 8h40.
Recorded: 6h16
